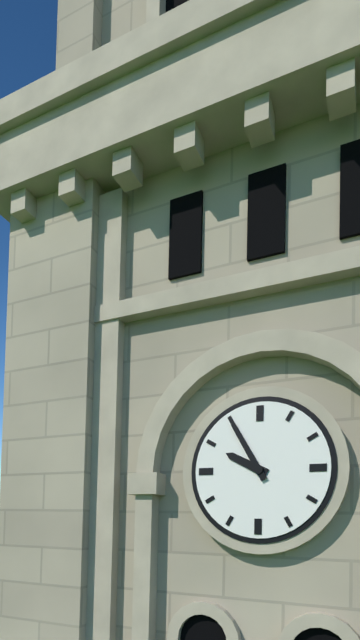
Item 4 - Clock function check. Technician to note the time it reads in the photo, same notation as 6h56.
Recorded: 9h55
